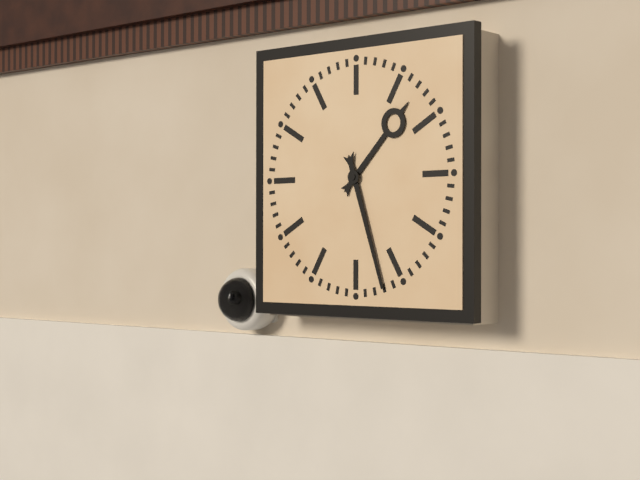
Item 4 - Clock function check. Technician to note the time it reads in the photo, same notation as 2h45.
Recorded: 1h27
